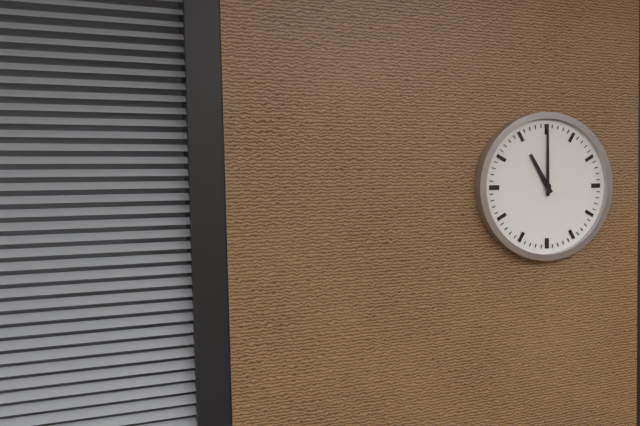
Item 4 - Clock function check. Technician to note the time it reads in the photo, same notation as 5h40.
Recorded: 11h00
